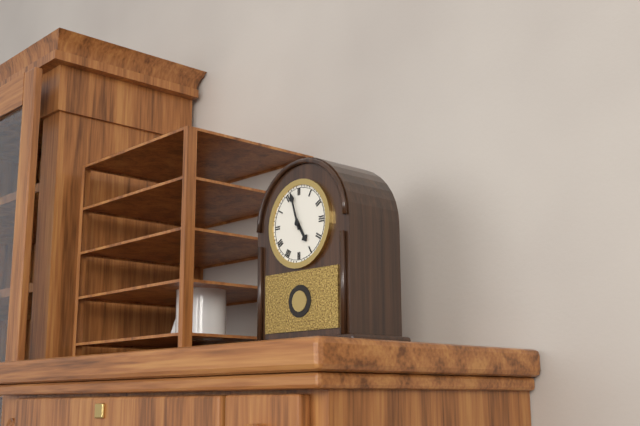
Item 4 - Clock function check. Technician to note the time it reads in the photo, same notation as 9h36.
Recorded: 4h57
